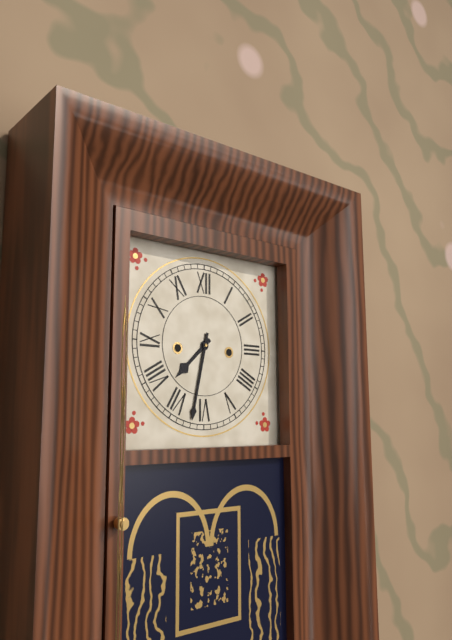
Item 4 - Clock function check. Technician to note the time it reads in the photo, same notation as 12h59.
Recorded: 7h32
